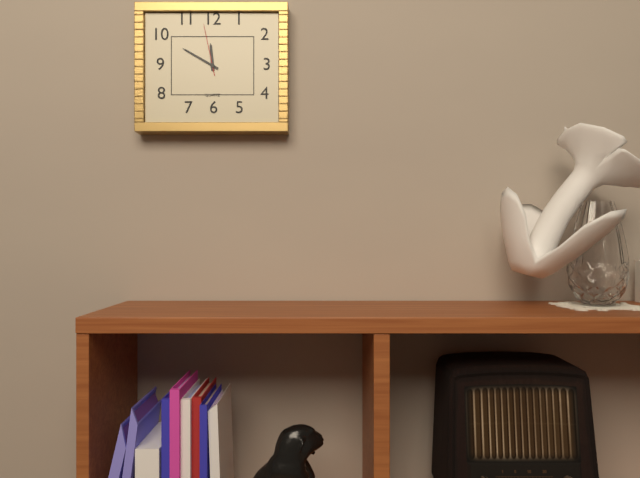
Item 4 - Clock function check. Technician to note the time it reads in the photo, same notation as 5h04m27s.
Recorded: 11h50m58s
